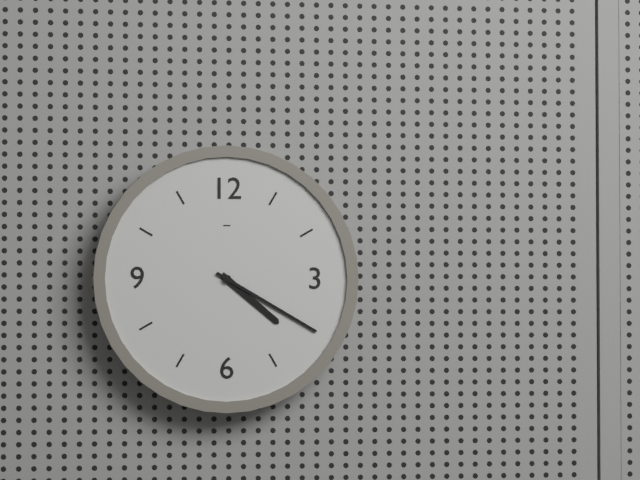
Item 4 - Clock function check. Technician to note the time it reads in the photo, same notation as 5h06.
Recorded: 4h20
